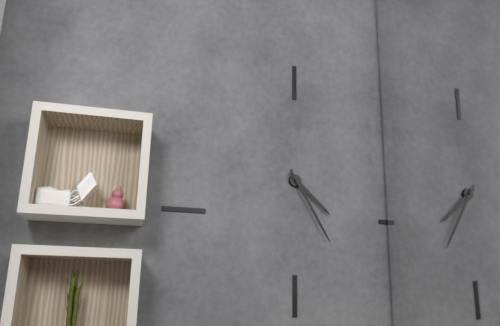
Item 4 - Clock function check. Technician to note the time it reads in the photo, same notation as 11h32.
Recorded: 4h25
